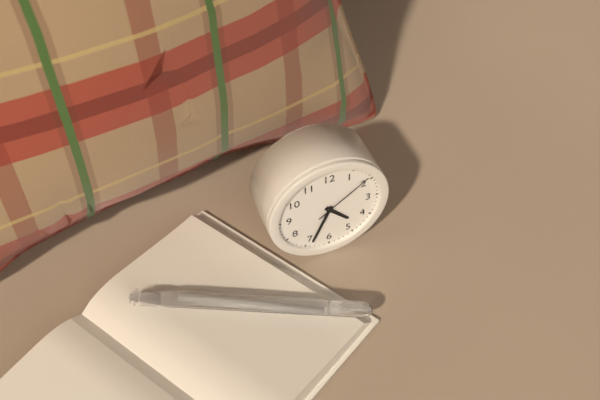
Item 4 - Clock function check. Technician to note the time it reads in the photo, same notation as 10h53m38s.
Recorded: 4h34m09s
